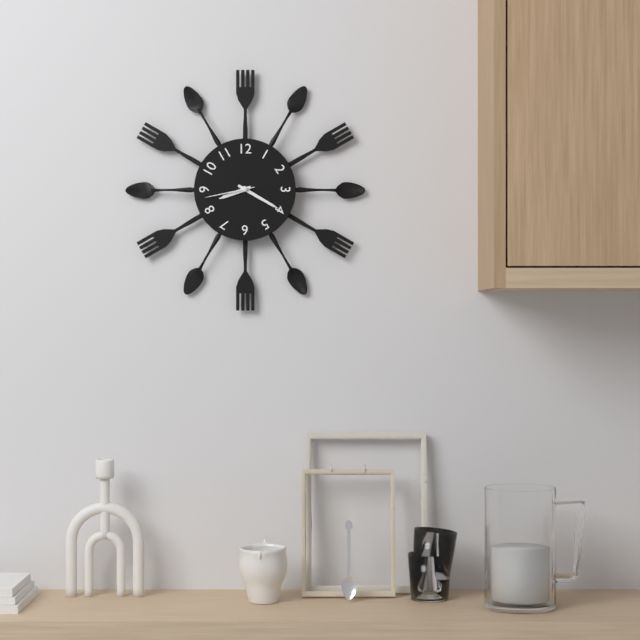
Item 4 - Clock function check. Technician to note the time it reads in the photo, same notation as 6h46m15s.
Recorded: 8h20m43s
